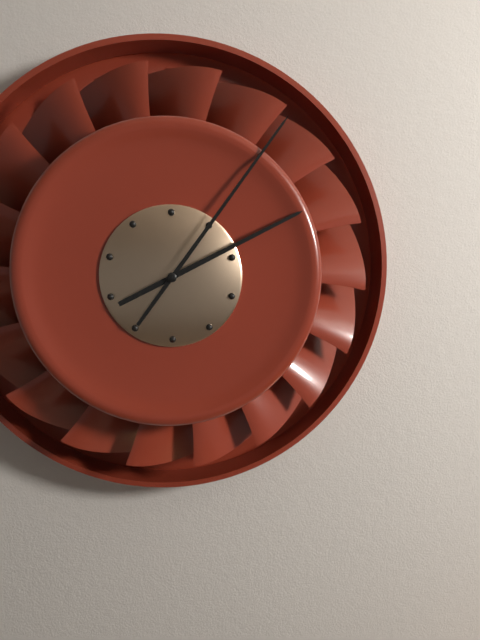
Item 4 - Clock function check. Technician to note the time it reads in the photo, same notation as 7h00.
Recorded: 2h06
